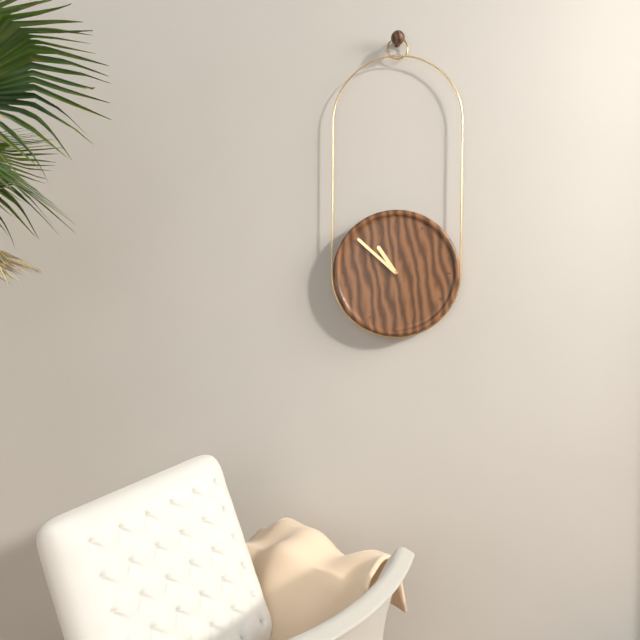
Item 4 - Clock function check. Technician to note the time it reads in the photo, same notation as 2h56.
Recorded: 10h52
